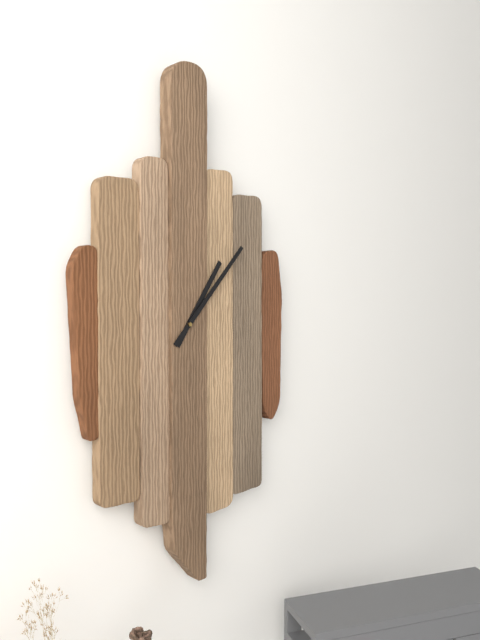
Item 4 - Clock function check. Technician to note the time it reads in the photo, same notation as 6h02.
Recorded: 1h07
